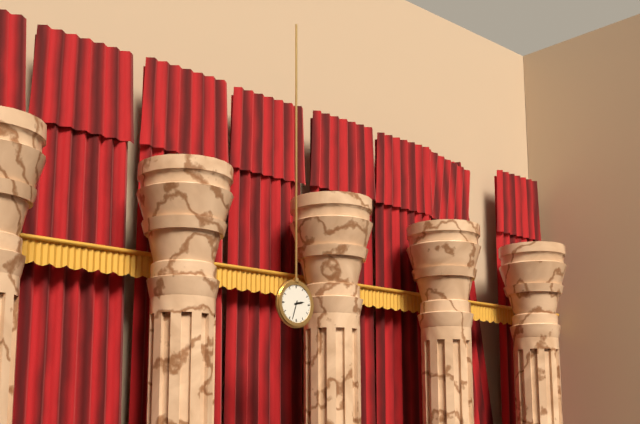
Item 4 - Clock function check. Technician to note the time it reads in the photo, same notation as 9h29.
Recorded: 2h33
